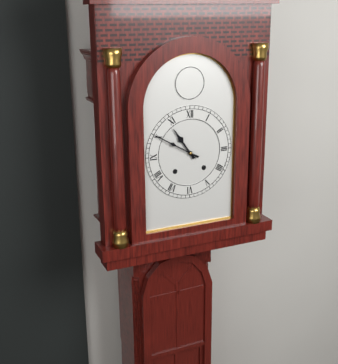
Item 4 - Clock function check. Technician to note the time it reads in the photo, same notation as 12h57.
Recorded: 10h50
